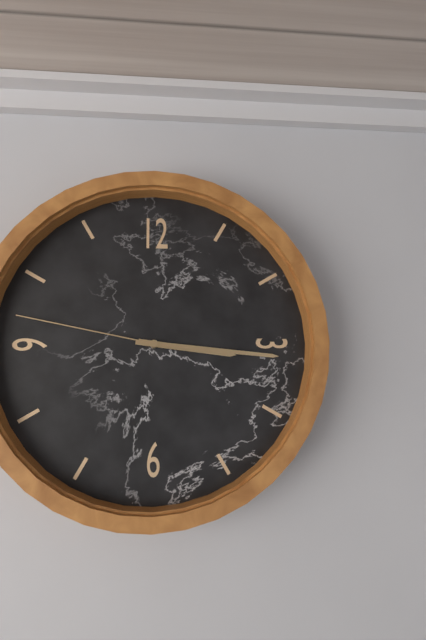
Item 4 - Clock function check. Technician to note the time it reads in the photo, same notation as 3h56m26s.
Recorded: 3h16m47s
